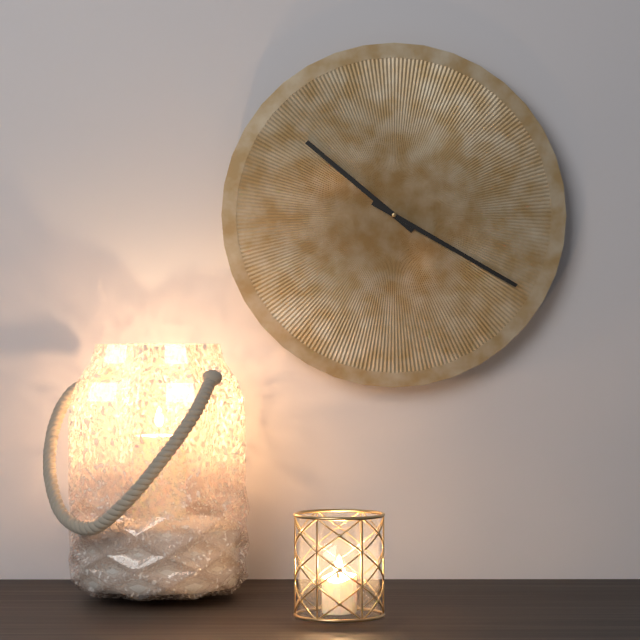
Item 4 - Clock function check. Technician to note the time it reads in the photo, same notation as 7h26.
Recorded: 10h20
